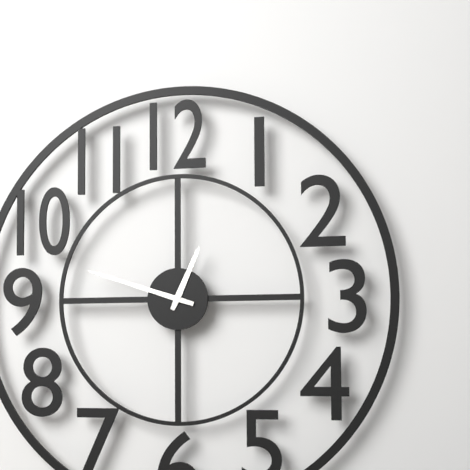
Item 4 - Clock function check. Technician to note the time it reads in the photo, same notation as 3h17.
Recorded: 12h48
